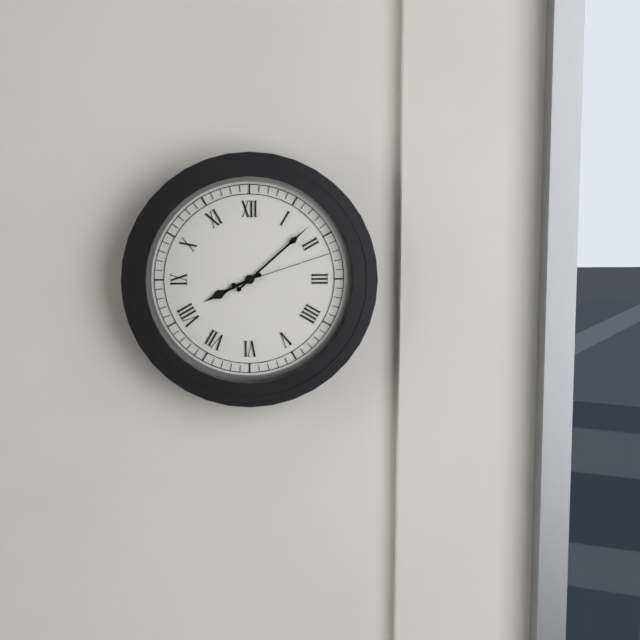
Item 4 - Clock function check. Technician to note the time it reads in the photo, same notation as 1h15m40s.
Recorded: 8h08m12s
